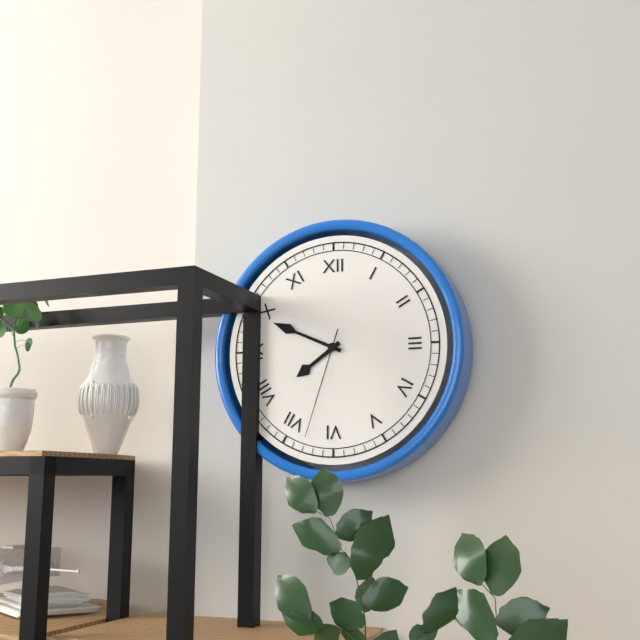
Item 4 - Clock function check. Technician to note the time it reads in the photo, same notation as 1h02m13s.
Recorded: 7h49m33s
